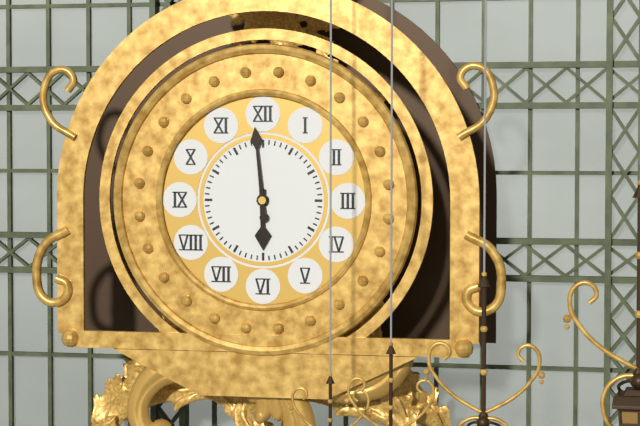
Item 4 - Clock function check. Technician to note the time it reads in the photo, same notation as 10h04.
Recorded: 5h59
